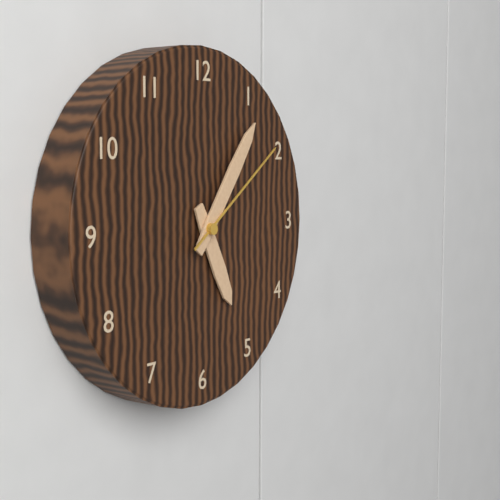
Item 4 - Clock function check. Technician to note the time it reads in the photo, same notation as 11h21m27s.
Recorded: 5h06m09s
